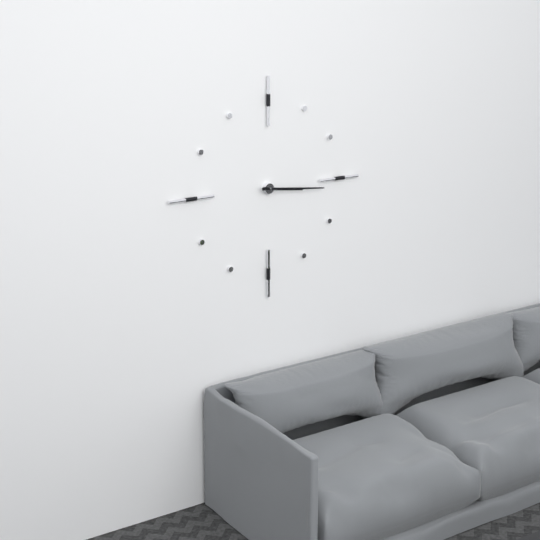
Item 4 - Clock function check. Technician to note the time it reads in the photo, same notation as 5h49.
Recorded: 3h16
